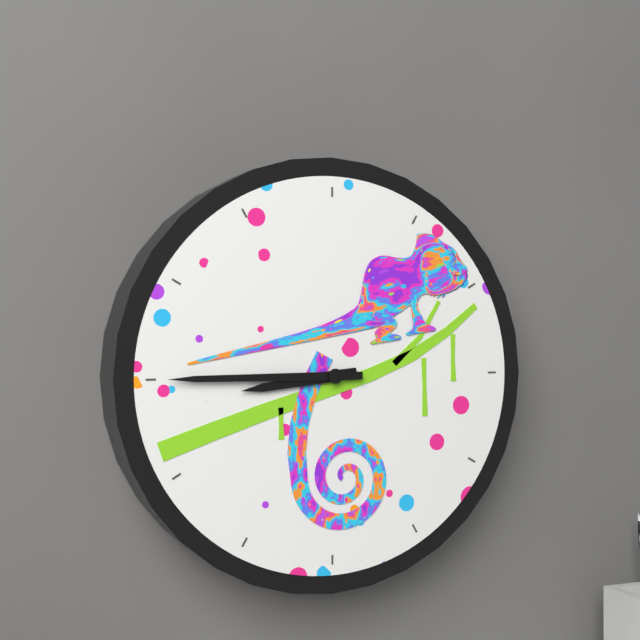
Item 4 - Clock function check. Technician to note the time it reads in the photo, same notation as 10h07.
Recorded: 8h45
